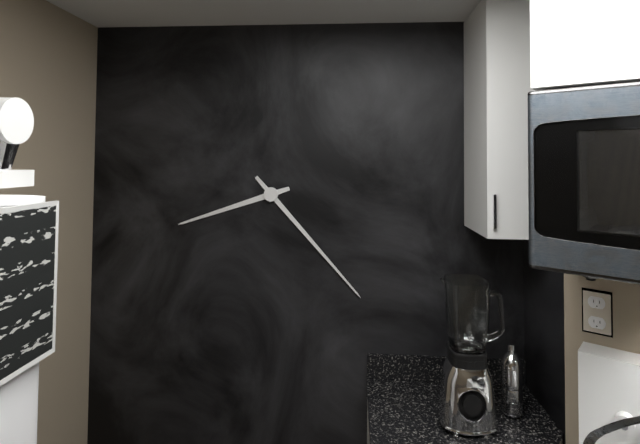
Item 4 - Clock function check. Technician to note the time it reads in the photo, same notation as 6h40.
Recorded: 8h23
